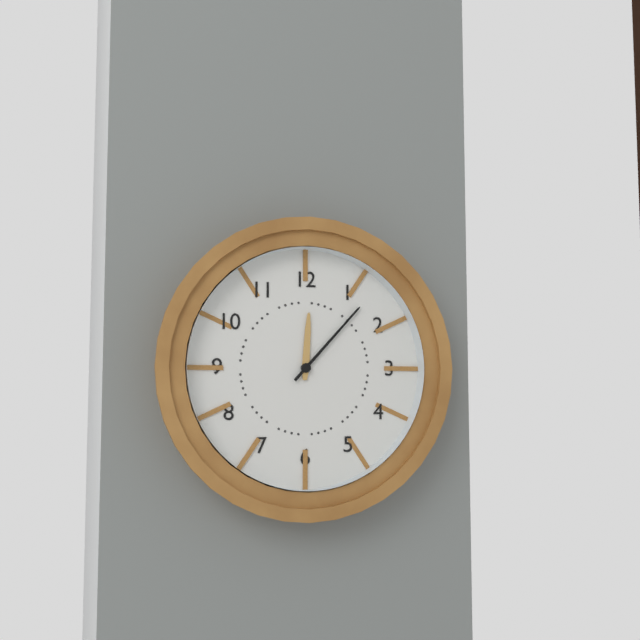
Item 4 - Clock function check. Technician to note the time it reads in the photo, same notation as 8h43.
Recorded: 12h07
